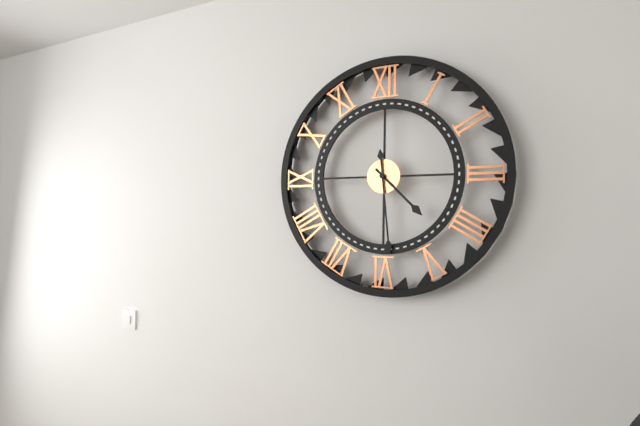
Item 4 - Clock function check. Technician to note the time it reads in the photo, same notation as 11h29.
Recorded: 4h29
